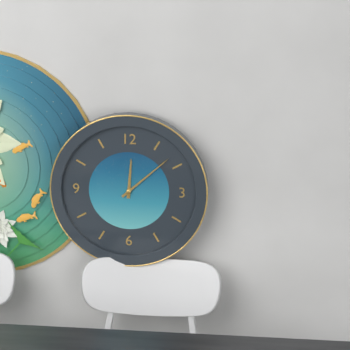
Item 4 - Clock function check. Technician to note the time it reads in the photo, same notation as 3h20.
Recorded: 12h08
